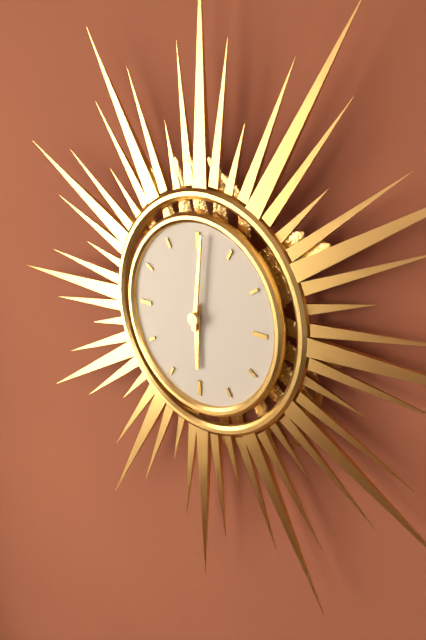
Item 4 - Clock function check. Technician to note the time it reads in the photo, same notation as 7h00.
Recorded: 6h01
